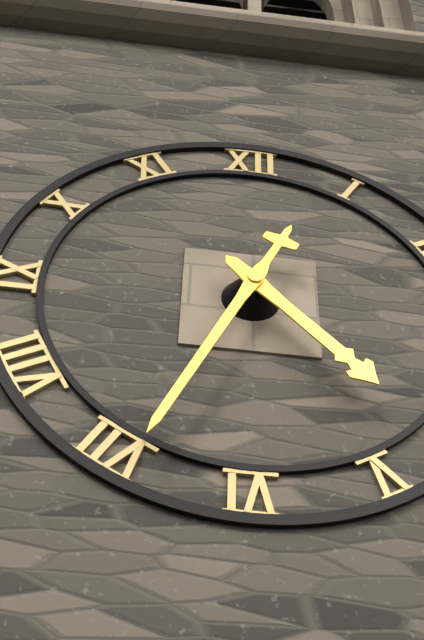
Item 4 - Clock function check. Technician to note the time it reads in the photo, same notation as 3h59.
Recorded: 4h34
